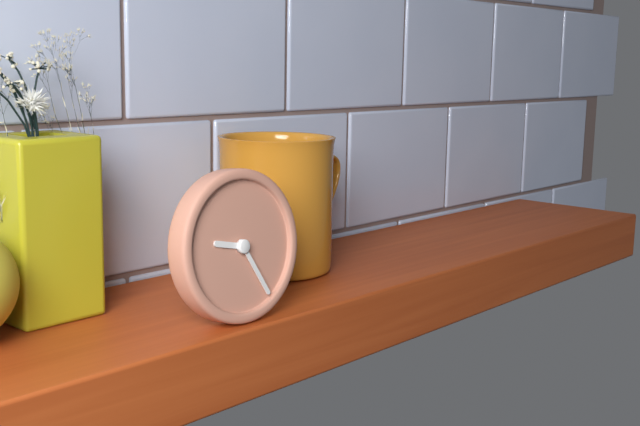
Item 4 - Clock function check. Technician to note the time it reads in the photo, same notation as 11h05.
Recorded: 9h25
